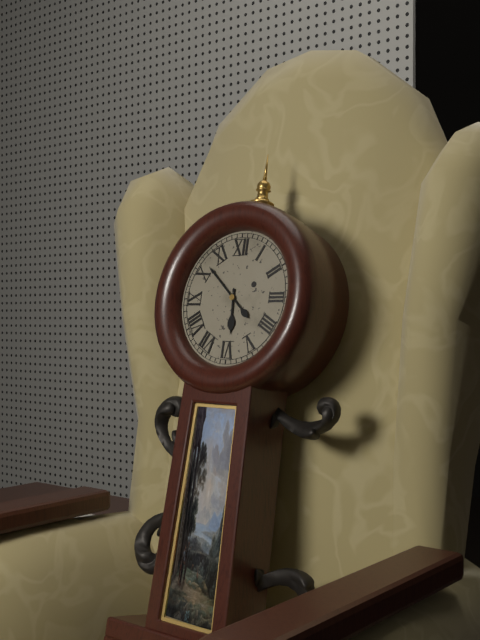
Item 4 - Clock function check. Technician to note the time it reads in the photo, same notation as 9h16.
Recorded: 5h52
